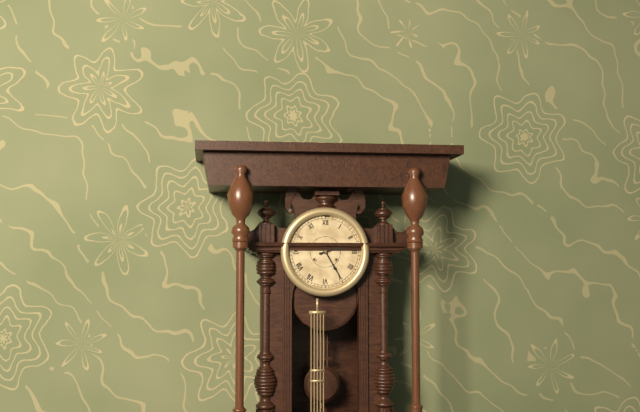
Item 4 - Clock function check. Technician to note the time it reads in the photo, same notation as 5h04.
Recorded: 2h25
